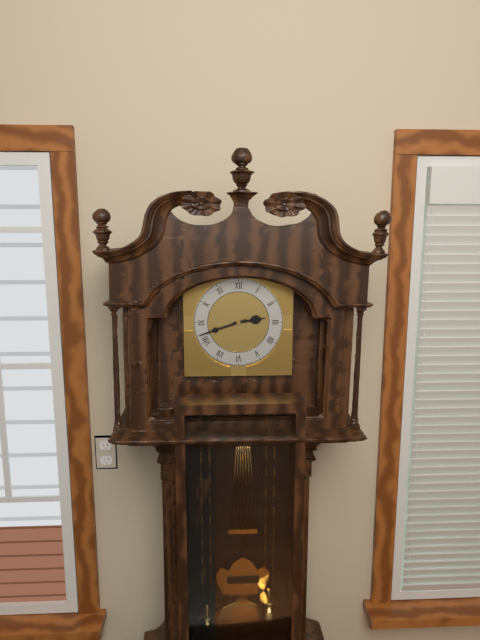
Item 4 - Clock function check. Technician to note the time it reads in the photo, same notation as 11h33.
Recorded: 2h42
